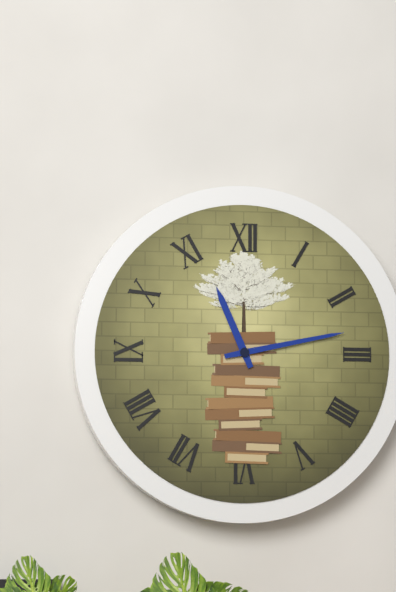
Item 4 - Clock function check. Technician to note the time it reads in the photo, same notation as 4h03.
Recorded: 11h13
